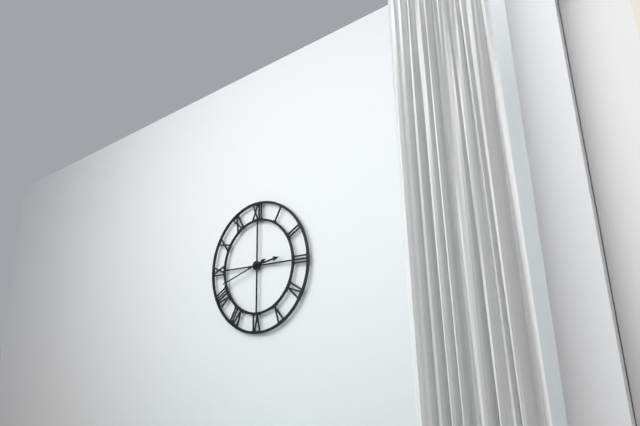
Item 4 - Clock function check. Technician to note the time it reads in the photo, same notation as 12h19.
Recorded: 2h42
